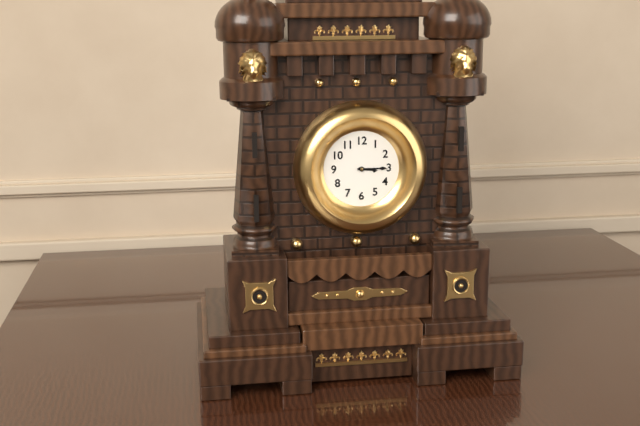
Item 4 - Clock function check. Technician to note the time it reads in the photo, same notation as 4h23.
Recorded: 3h15
